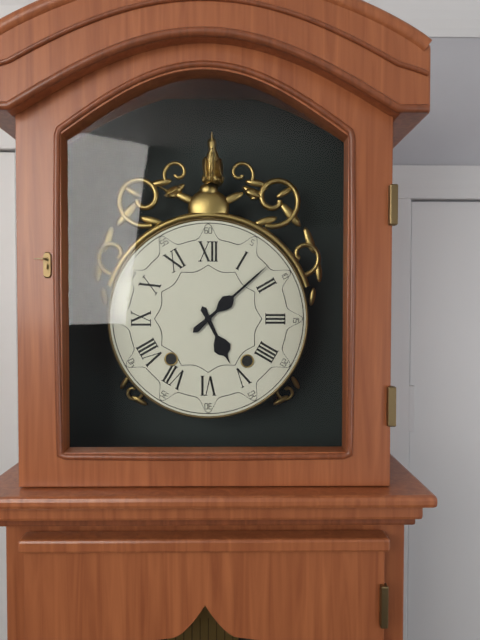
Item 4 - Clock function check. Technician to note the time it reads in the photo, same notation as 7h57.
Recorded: 5h08
